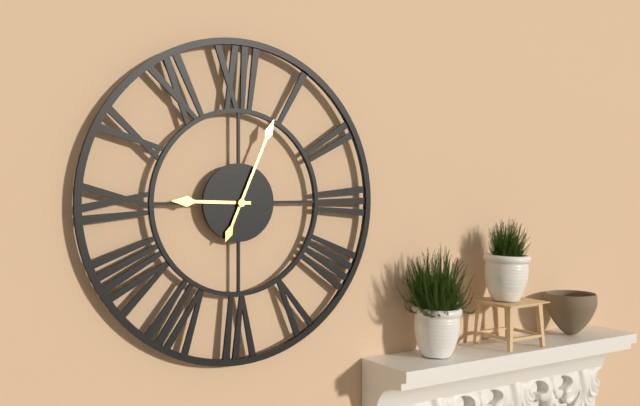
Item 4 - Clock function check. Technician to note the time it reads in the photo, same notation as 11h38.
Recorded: 9h04
